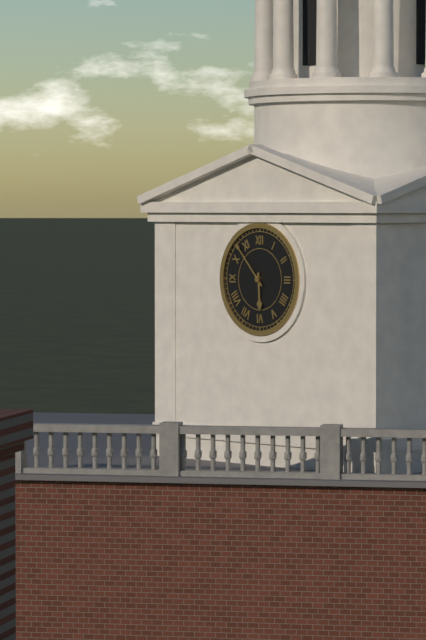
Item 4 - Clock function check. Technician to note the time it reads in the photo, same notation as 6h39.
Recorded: 5h53
